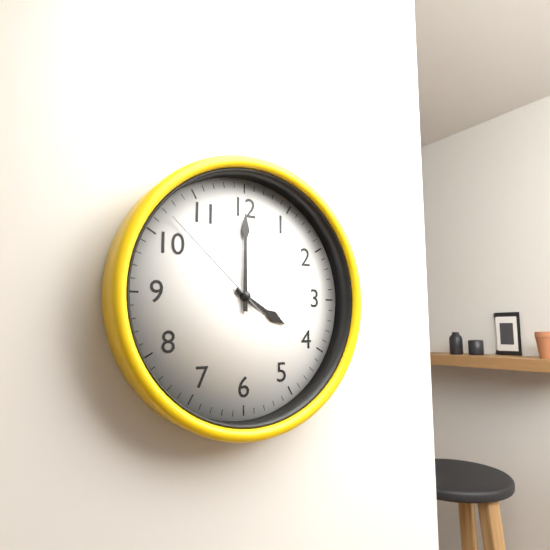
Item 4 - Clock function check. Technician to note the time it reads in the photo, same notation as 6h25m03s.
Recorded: 4h00m52s
